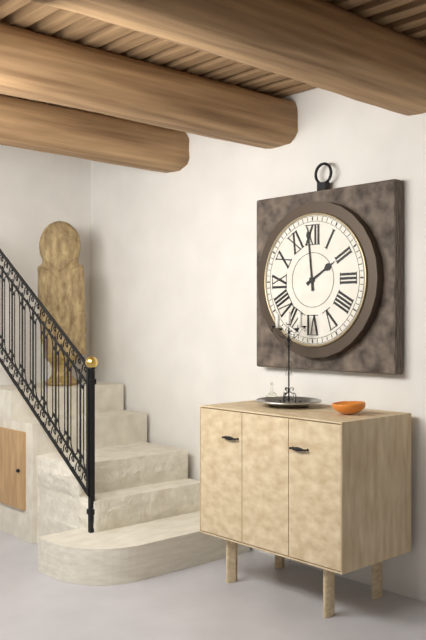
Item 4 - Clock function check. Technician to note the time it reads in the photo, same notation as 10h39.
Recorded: 1h59
